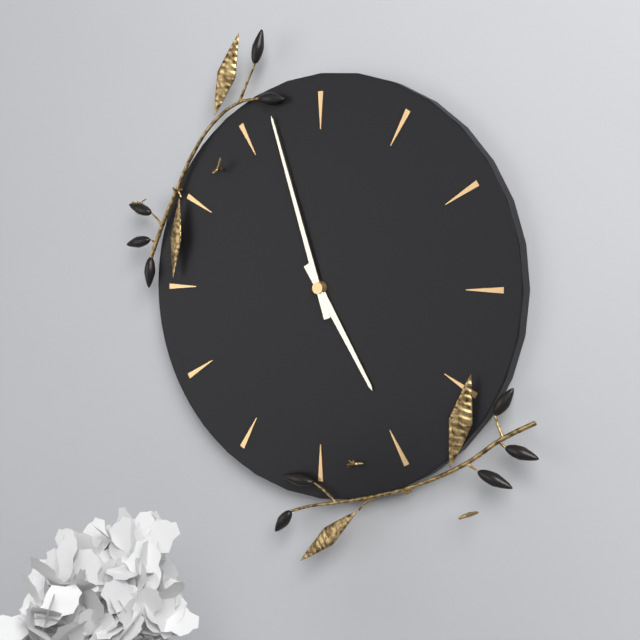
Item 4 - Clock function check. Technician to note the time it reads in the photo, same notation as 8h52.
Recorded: 4h57
